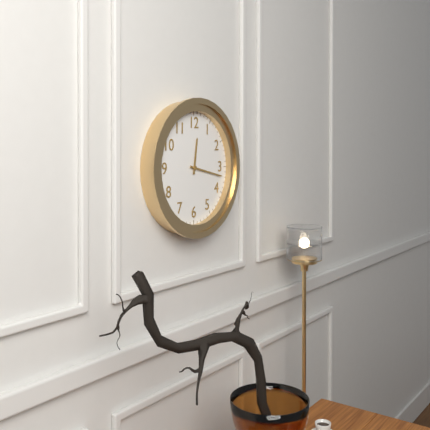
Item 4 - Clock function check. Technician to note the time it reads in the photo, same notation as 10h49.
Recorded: 12h17
